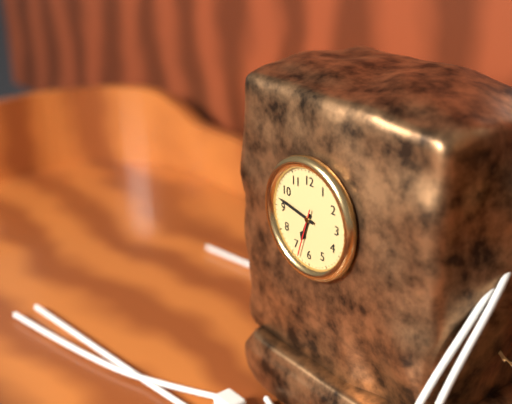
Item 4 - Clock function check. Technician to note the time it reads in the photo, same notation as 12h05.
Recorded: 6h47
